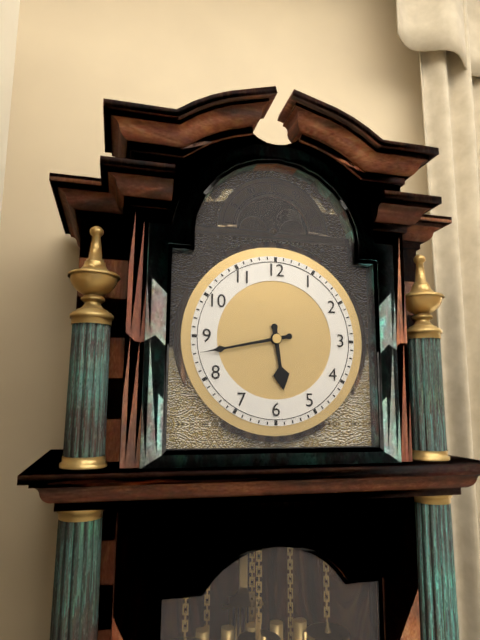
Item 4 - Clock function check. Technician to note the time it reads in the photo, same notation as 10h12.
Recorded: 5h43
